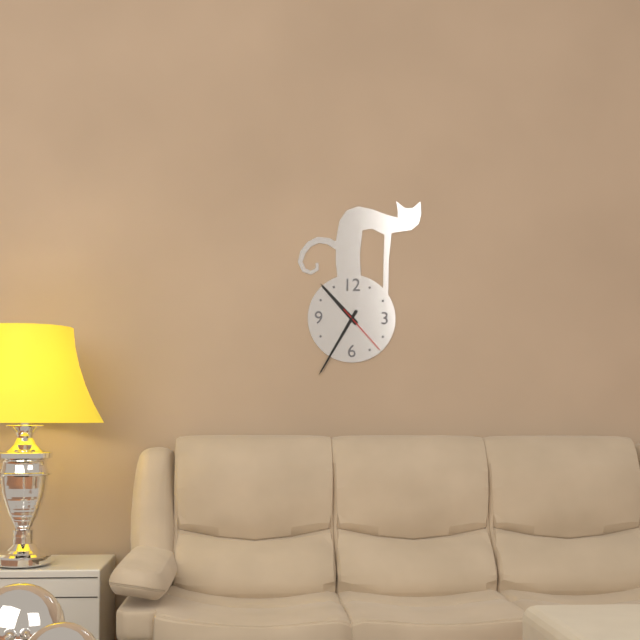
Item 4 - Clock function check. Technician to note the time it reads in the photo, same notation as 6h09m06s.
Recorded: 10h35m23s
